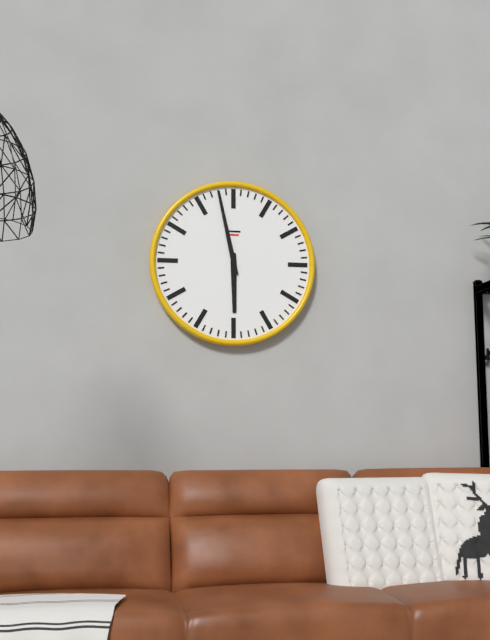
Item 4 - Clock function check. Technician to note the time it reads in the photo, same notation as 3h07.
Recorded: 5h58
